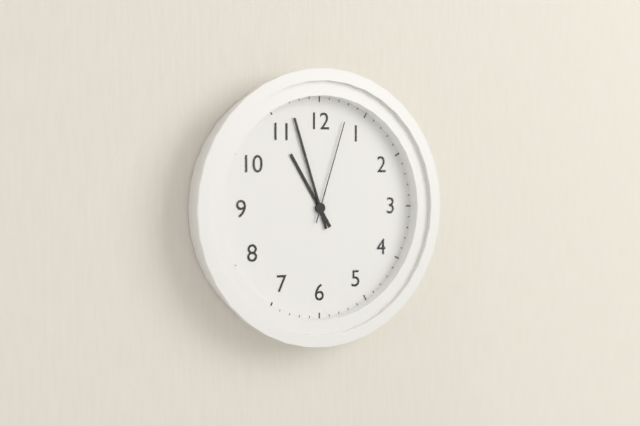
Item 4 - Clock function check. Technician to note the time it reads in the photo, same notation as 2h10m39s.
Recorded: 10h57m03s
